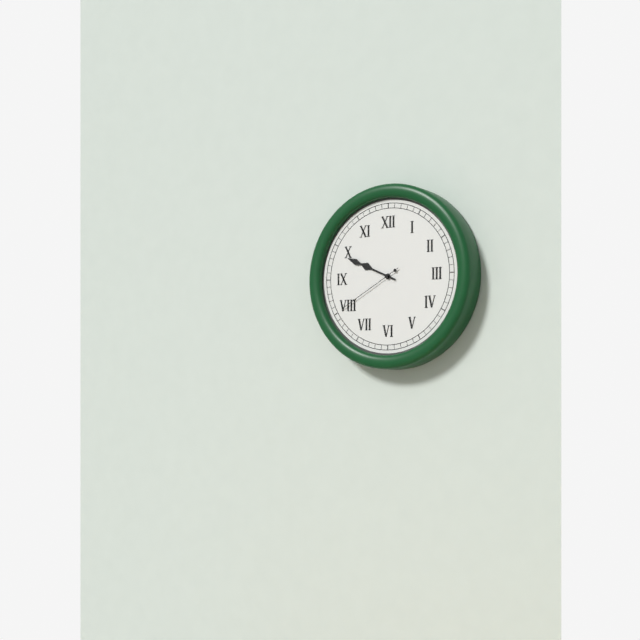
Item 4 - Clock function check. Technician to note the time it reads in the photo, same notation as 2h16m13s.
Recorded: 9h49m40s
